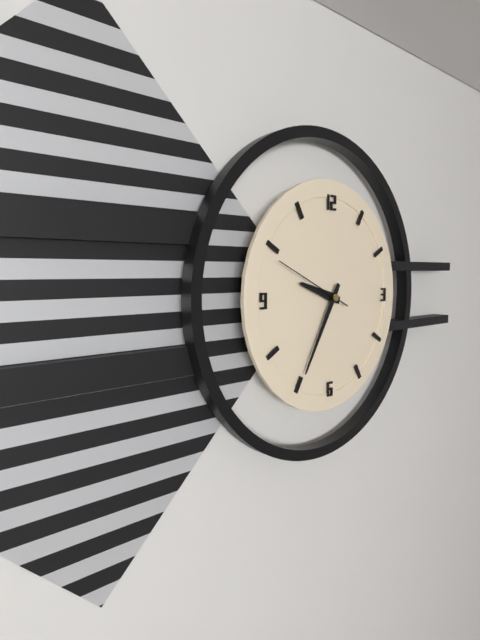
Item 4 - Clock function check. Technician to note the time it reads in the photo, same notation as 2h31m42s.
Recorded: 9h35m49s
